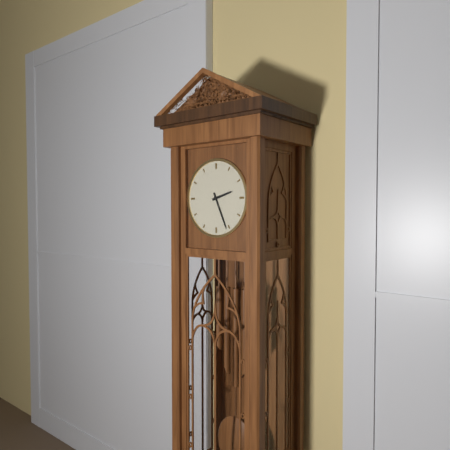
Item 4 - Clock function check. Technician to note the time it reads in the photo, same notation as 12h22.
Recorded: 2h26
